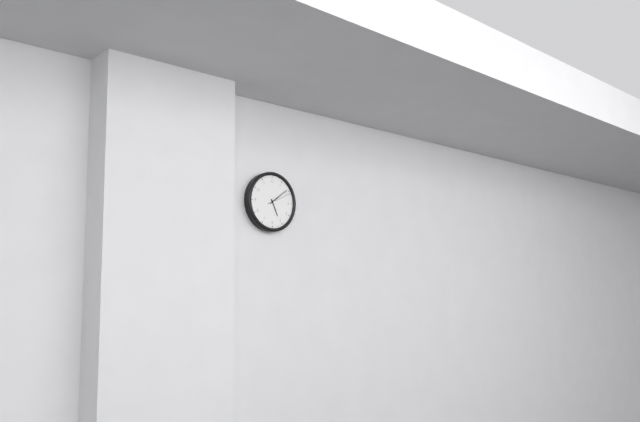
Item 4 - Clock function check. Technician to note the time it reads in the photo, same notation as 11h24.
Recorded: 5h09
